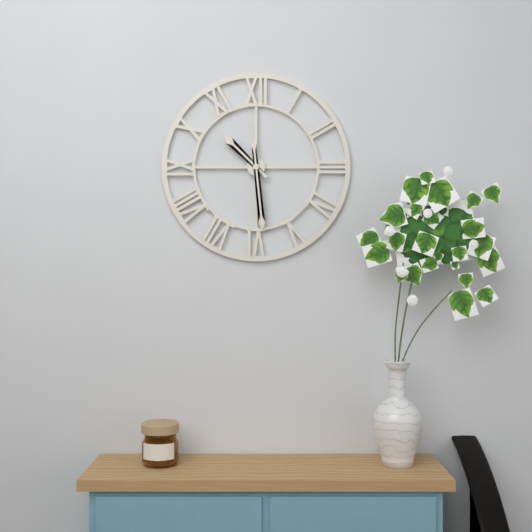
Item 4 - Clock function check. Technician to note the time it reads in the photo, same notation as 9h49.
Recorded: 10h29
